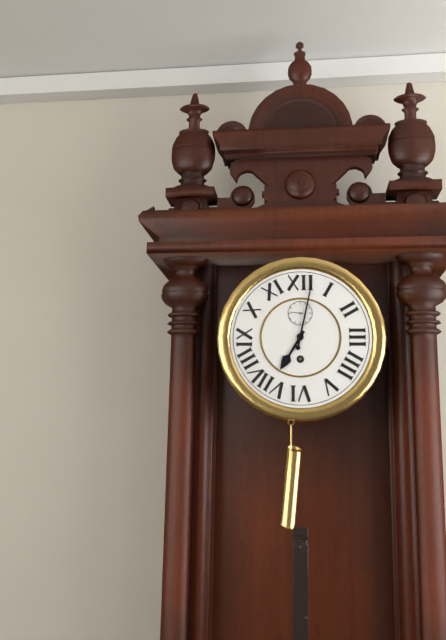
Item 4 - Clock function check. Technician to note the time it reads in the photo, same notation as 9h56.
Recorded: 7h02
